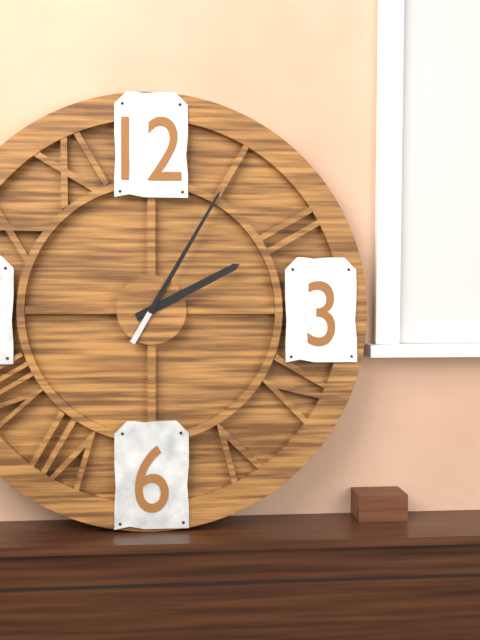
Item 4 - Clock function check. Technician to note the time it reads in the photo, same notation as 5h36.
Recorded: 2h05
